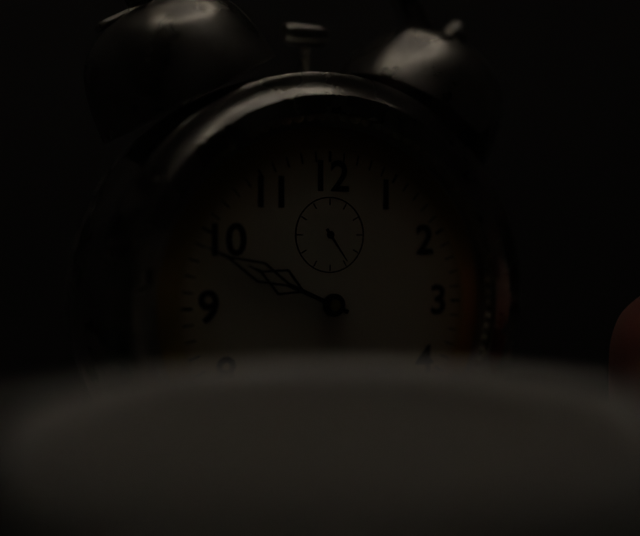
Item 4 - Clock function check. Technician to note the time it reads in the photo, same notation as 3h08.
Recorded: 9h49
